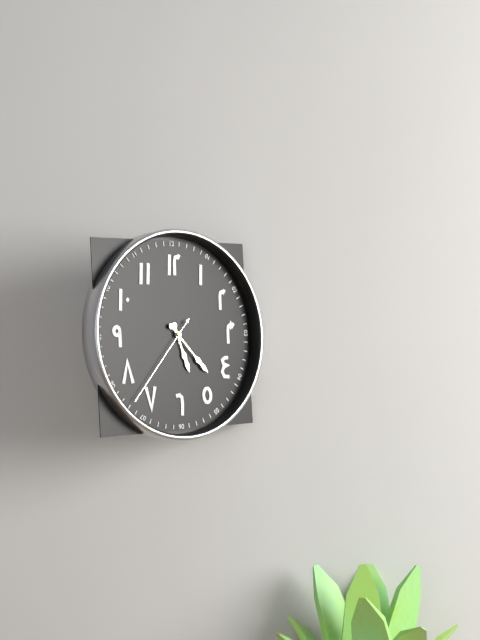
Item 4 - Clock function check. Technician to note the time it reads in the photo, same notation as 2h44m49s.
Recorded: 5h23m37s
